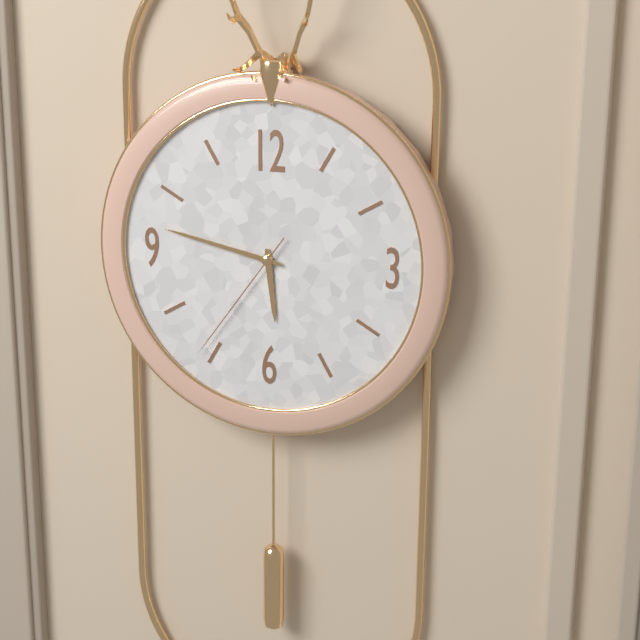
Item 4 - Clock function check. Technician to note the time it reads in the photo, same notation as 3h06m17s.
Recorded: 5h47m36s
